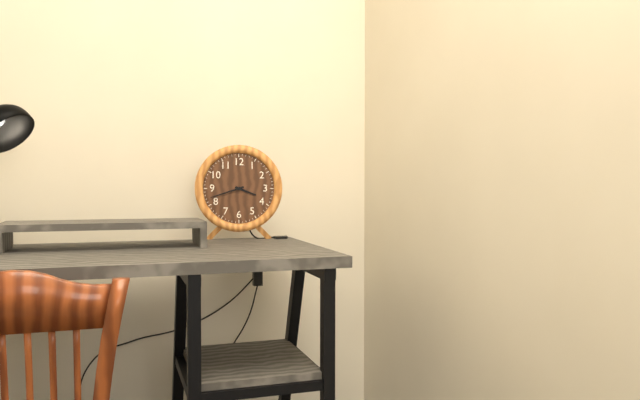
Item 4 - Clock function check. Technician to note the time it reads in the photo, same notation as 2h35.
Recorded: 3h42
